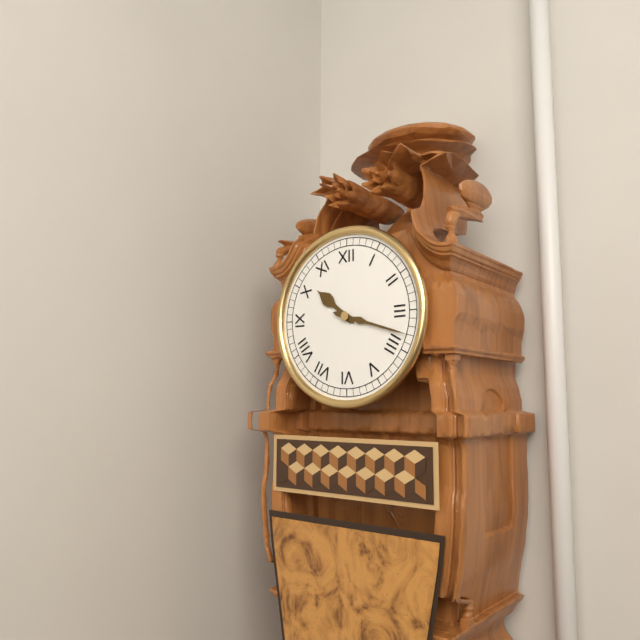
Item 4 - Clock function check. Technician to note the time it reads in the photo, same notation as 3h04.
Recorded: 10h18
